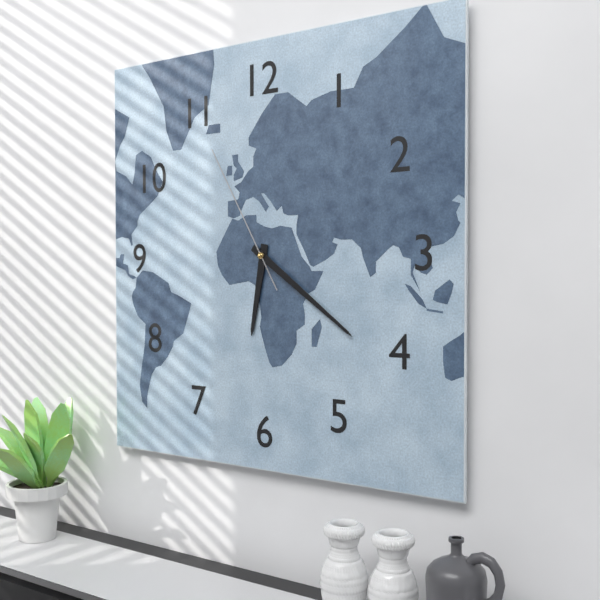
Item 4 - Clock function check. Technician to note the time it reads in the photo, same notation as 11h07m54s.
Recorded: 6h21m55s
